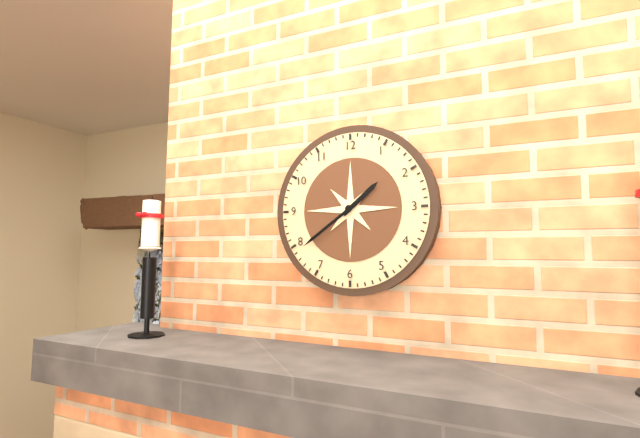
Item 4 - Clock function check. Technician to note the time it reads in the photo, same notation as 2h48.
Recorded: 1h39
